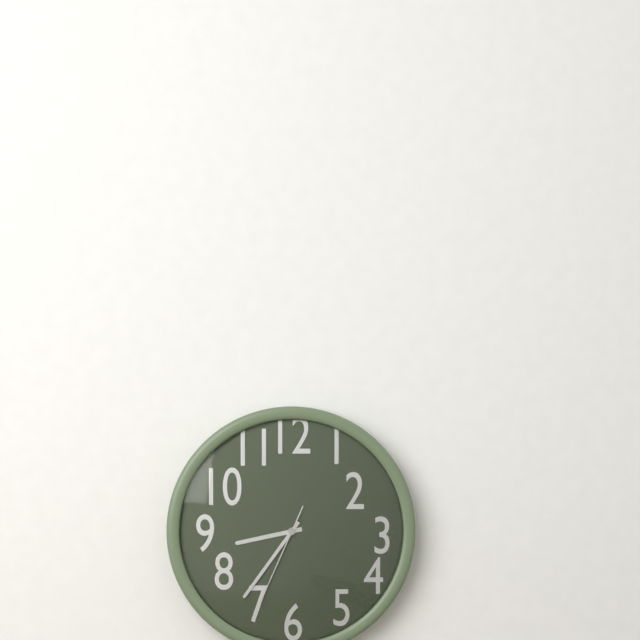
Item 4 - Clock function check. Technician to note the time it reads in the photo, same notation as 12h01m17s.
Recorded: 8h36m34s
